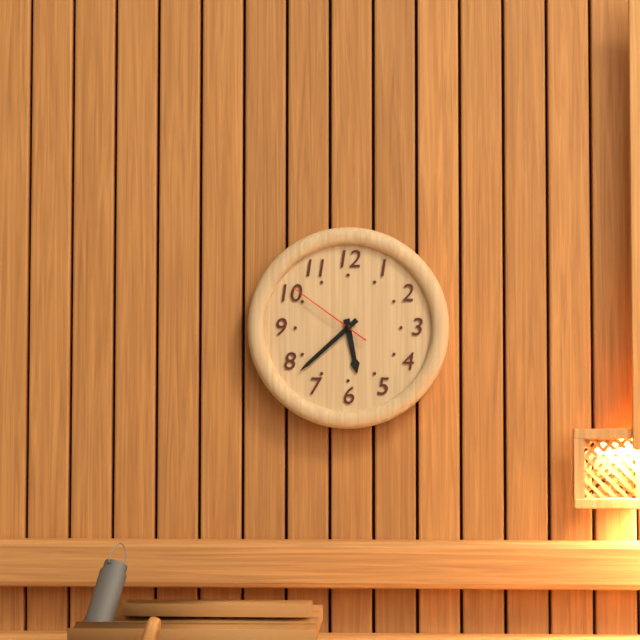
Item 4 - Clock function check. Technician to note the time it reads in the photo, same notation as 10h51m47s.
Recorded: 5h38m51s
